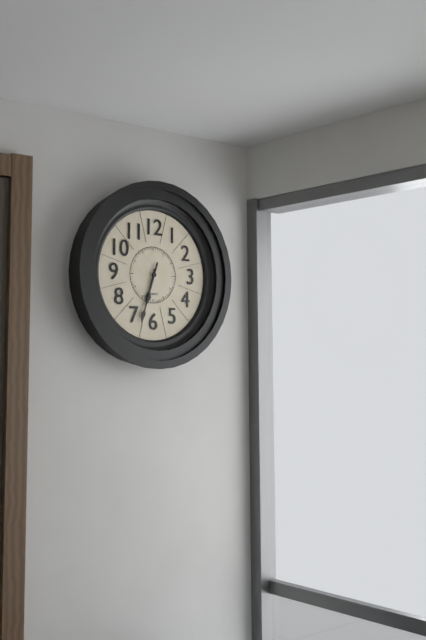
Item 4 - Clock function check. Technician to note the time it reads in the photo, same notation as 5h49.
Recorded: 6h33
